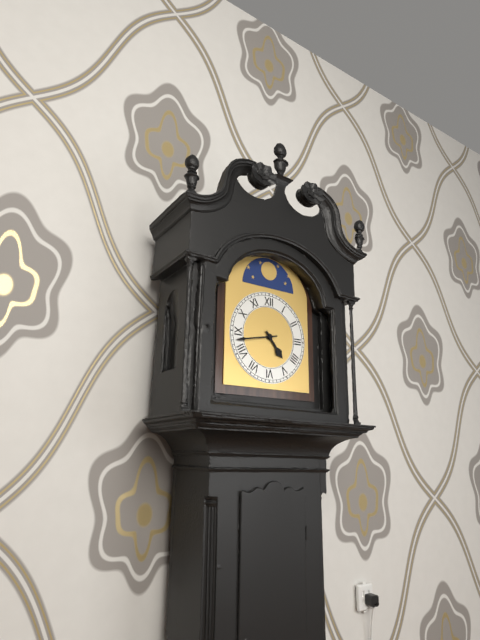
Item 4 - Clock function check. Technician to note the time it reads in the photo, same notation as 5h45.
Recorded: 4h43
